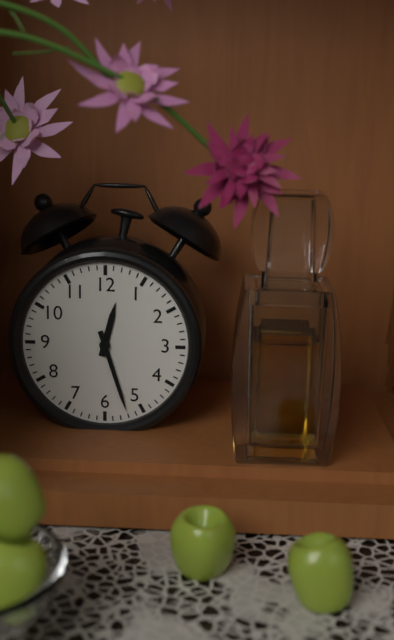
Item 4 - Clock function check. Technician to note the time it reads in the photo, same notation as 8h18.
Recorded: 12h27
